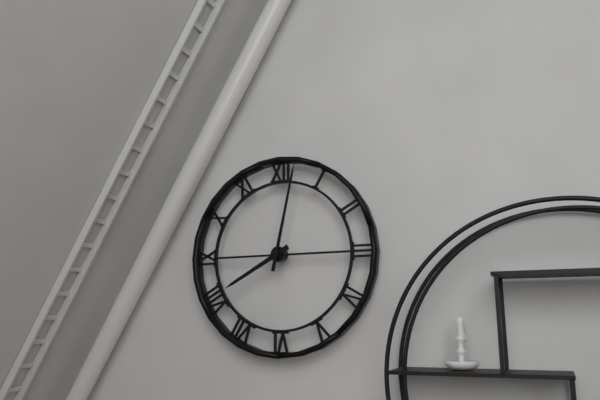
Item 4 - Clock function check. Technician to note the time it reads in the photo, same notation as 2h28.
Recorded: 8h02
